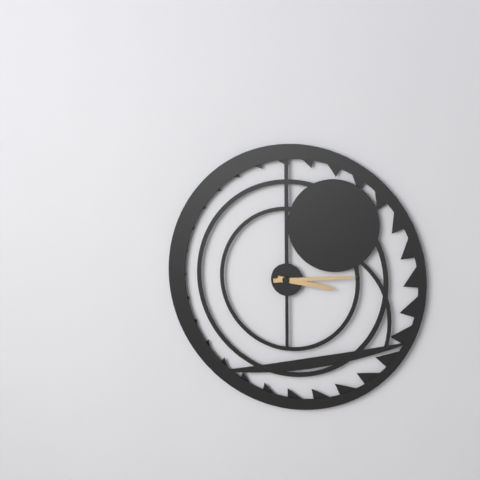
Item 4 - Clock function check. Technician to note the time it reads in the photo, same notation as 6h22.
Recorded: 3h14
